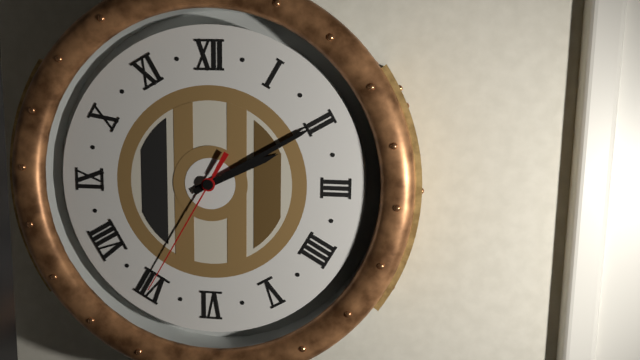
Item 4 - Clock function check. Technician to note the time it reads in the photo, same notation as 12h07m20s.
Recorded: 2h10m35s
